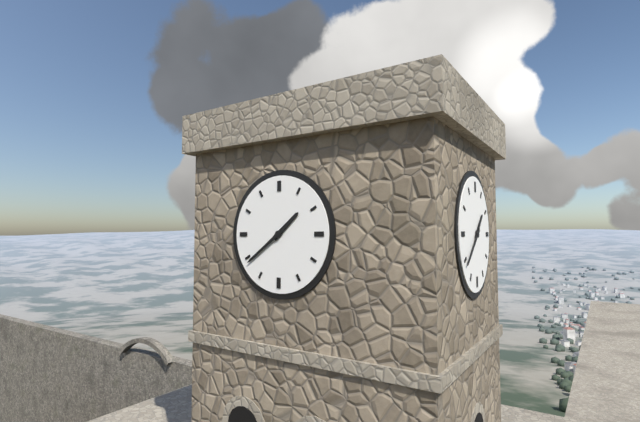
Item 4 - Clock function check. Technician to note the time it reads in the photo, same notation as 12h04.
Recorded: 1h39
